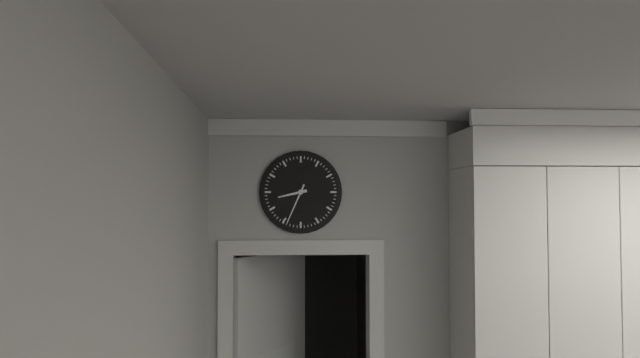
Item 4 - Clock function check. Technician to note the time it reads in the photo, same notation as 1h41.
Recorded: 8h34
